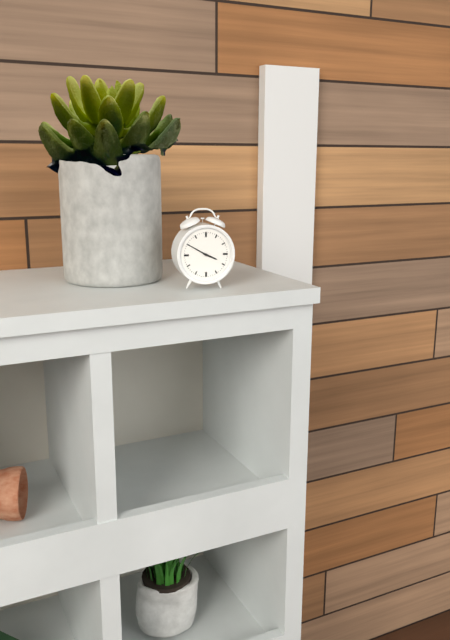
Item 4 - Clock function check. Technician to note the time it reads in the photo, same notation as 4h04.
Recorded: 3h50
